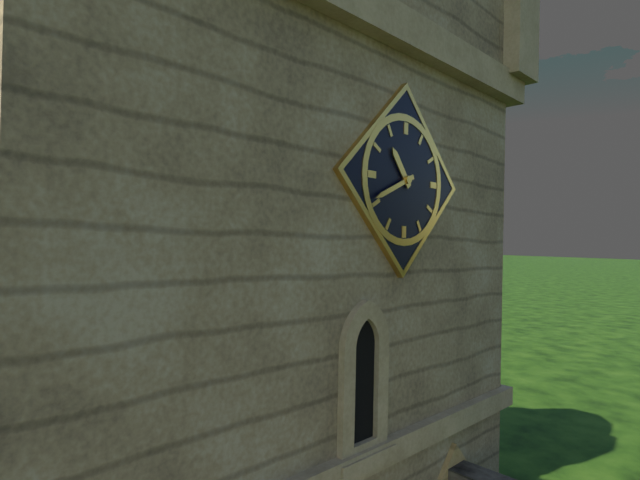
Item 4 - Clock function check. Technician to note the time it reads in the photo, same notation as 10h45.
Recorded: 10h41
